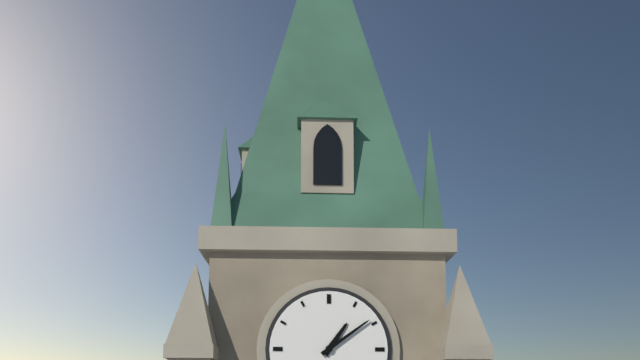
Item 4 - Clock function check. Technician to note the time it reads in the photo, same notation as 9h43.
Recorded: 1h09
